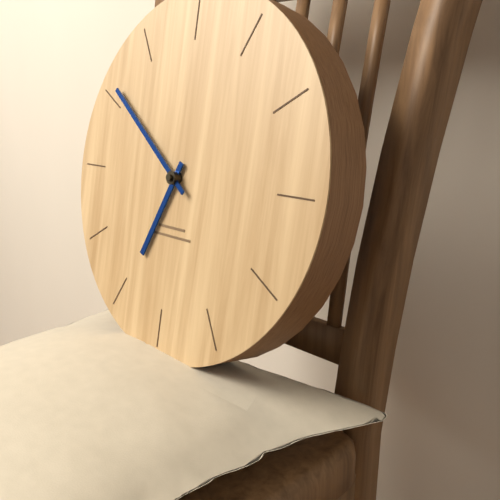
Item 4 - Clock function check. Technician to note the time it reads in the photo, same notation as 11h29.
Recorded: 6h51
